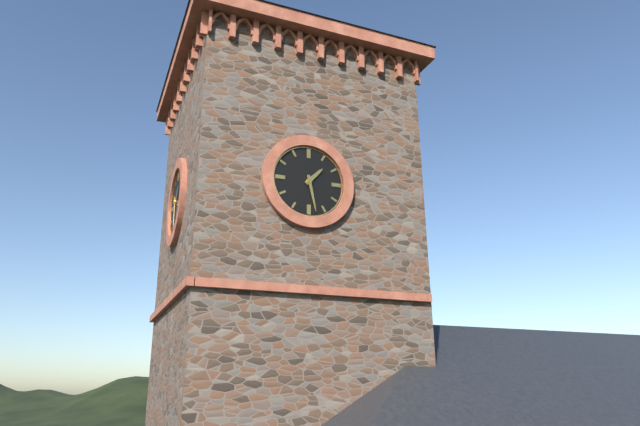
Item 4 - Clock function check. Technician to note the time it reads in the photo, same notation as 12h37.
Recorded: 1h28
